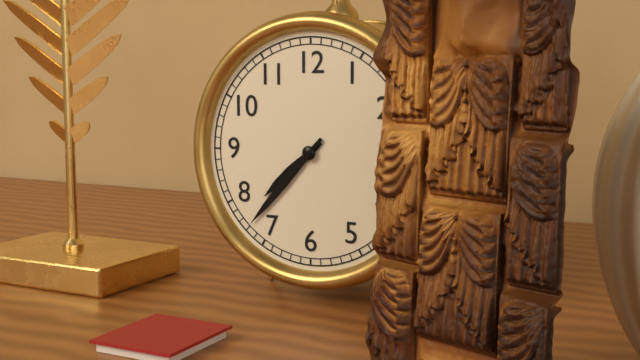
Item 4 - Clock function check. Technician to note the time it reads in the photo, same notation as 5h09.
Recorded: 7h37
